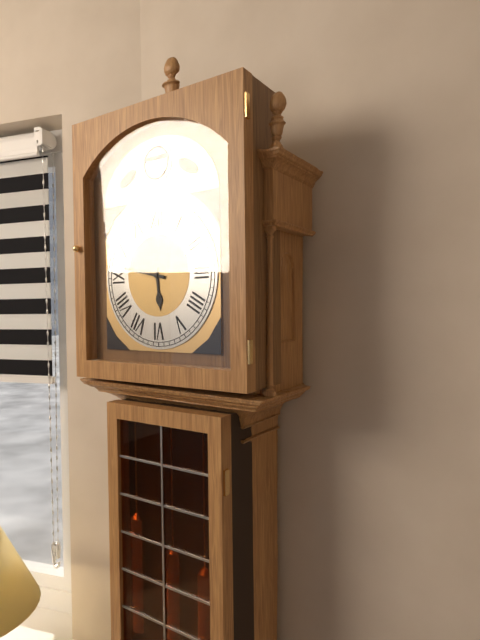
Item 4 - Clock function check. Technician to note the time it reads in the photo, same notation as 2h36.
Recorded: 5h47
